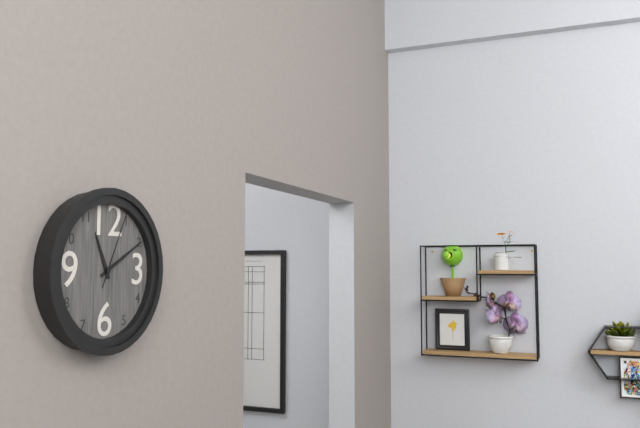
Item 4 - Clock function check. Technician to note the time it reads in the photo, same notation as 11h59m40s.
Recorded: 11h10m04s
